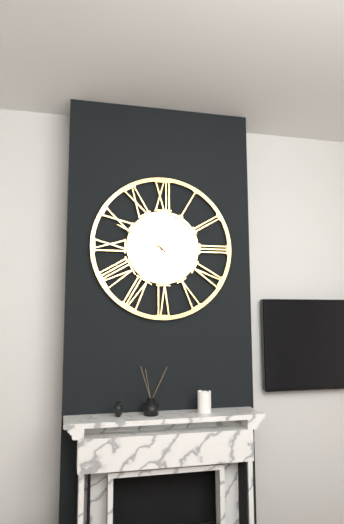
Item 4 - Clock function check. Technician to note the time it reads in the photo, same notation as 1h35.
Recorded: 10h49
